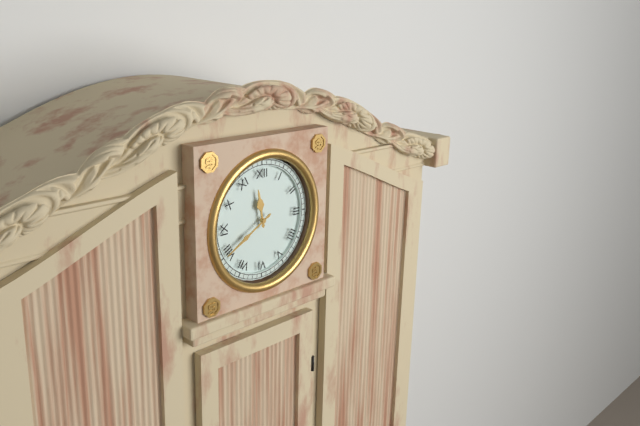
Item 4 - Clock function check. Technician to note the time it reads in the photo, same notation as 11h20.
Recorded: 11h40
